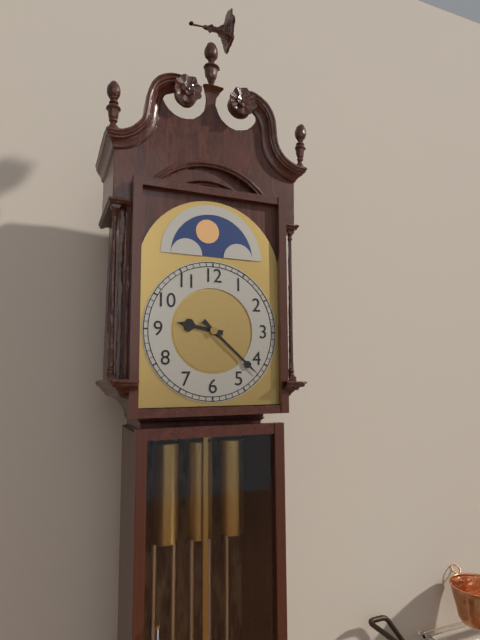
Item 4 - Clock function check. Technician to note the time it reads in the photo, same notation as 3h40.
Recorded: 9h22
